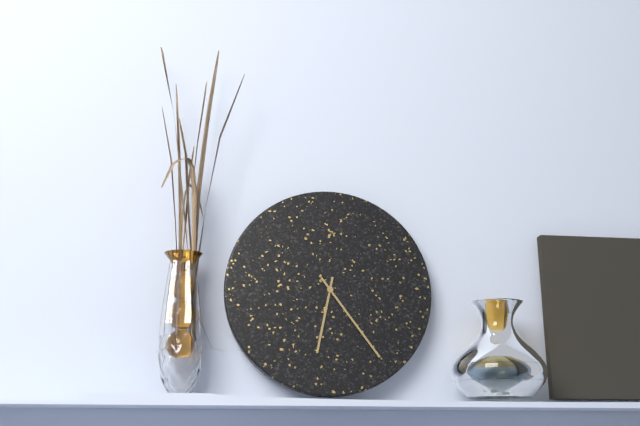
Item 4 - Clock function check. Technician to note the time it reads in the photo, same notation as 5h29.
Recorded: 6h24
